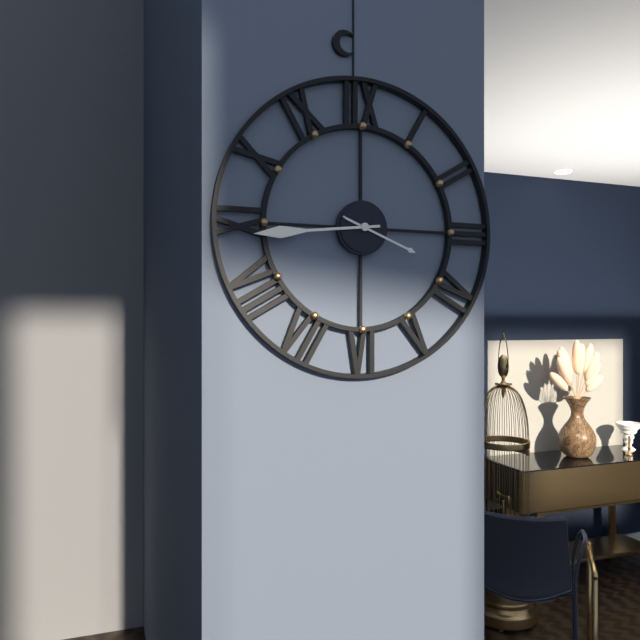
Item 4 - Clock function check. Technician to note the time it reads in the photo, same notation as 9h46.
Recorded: 3h44
